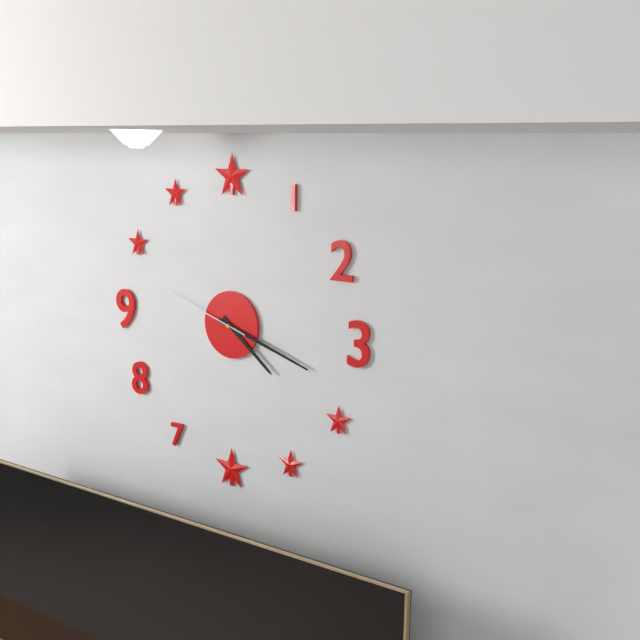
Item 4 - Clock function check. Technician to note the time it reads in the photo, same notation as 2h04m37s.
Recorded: 4h18m48s
